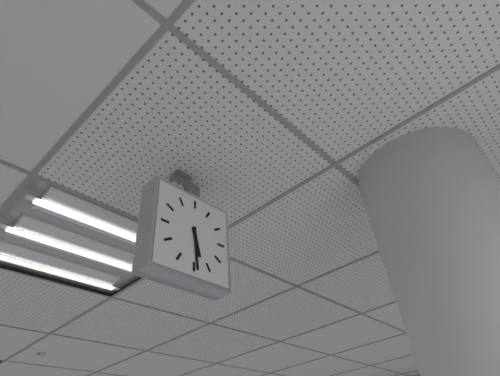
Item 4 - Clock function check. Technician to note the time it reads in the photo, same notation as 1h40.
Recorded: 5h29
